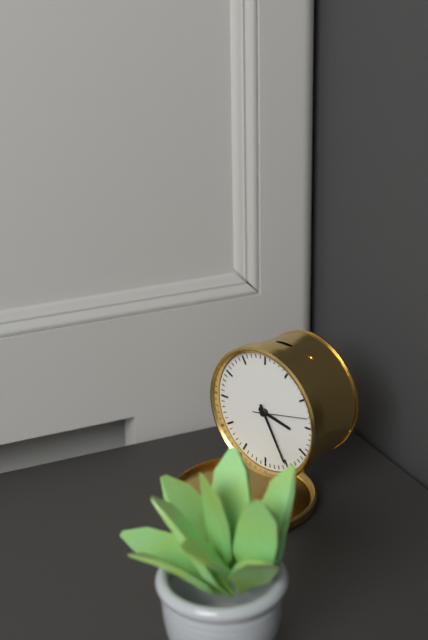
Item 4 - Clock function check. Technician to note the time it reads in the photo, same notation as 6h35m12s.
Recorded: 3h25m13s
